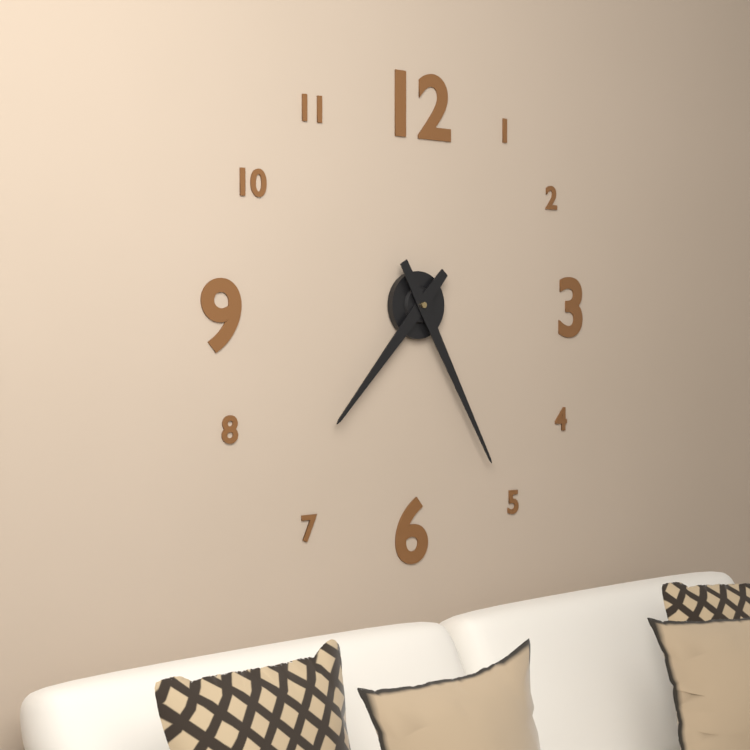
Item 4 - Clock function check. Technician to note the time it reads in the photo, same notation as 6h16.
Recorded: 7h25
